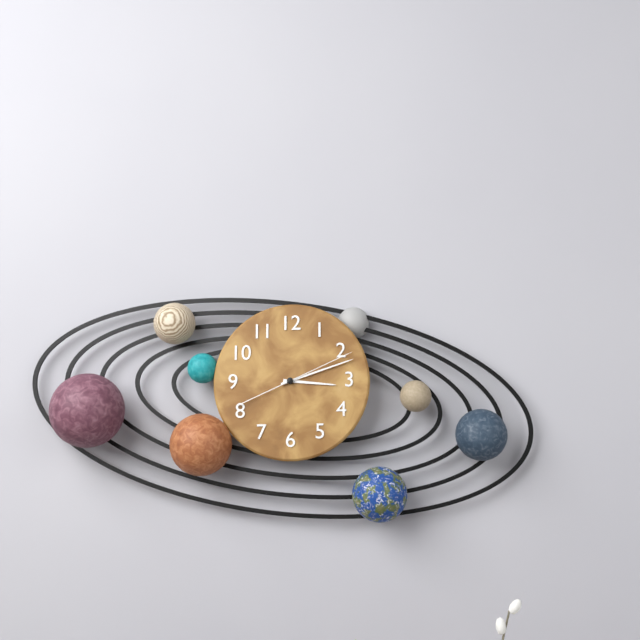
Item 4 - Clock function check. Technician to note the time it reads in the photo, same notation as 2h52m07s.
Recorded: 3h12m11s
